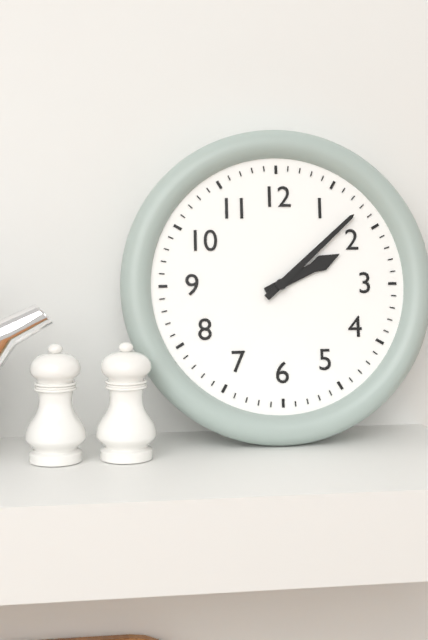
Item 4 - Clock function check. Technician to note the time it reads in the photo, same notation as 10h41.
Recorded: 2h08
